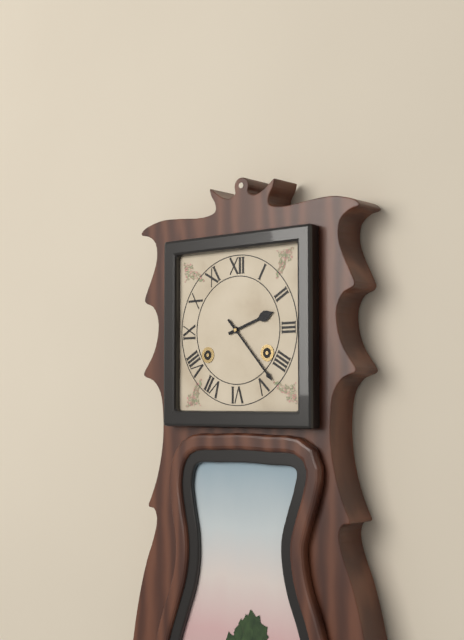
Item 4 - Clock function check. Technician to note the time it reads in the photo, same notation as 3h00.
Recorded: 2h23
